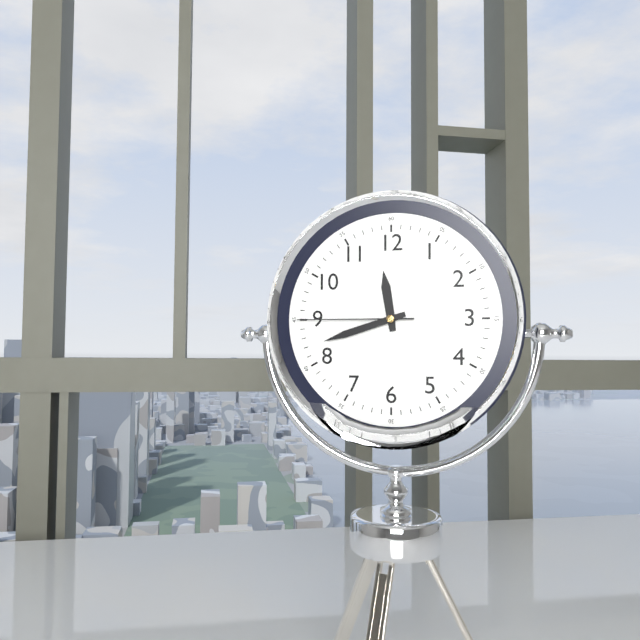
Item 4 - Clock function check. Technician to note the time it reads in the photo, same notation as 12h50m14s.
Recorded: 11h42m45s
